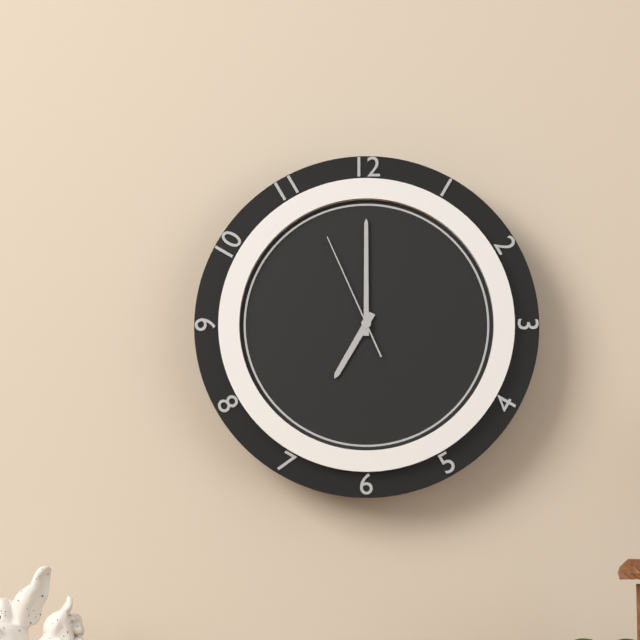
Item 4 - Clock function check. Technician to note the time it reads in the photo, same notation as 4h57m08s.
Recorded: 7h00m56s
